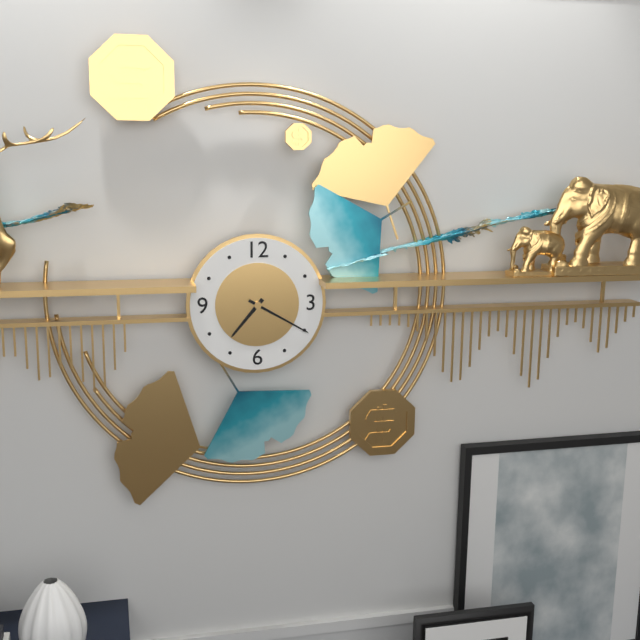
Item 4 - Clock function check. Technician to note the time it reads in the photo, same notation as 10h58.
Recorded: 7h20
